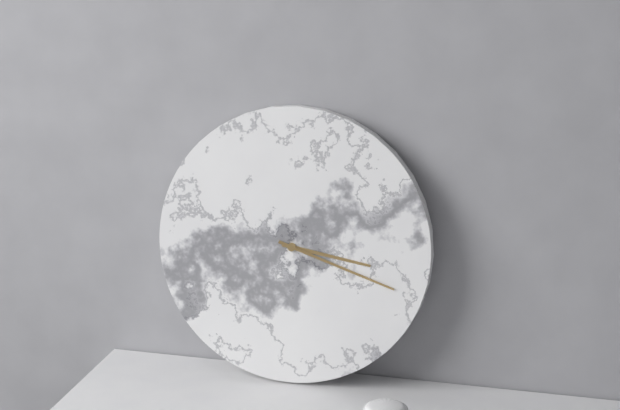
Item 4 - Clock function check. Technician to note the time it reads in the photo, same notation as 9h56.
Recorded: 3h18
